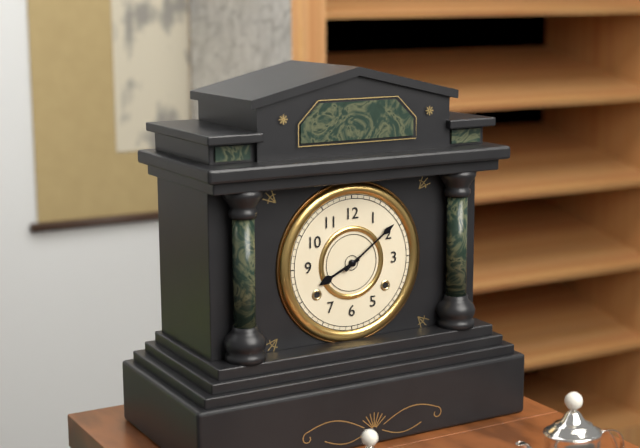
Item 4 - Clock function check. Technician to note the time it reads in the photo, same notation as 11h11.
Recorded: 8h09
